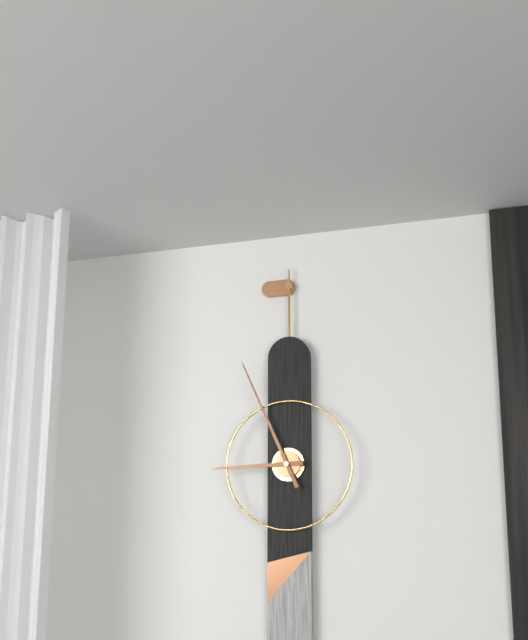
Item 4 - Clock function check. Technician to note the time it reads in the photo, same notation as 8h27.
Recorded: 8h56
